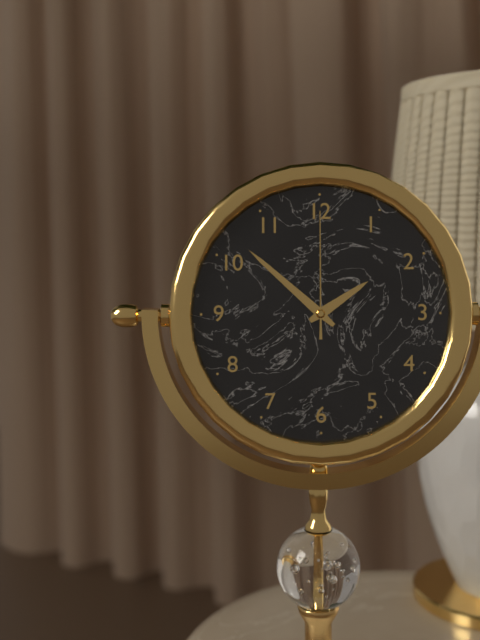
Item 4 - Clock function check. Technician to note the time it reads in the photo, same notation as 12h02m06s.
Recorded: 1h52m00s
